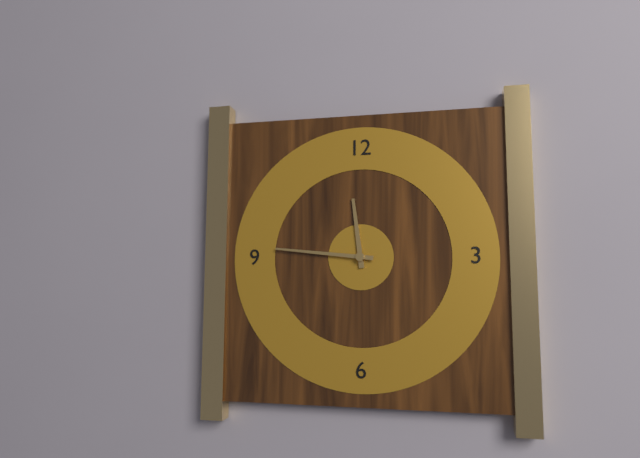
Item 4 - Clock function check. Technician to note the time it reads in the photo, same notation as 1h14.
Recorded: 11h46
